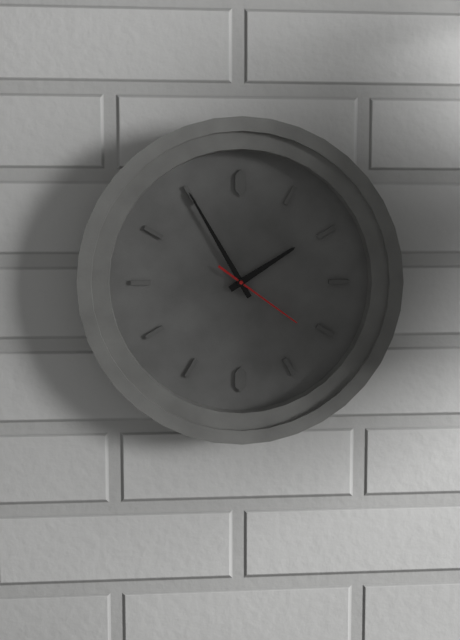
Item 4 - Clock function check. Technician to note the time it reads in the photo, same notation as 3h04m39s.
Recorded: 1h55m21s
